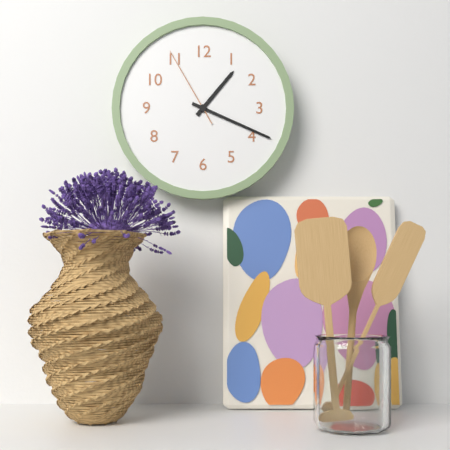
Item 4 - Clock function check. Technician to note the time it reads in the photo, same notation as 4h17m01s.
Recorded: 1h19m55s
